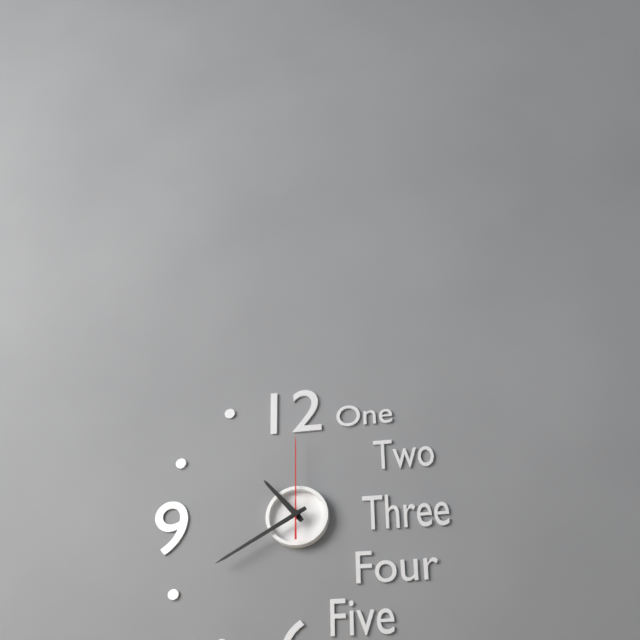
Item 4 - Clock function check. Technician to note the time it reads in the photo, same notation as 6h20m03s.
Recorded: 10h40m00s
